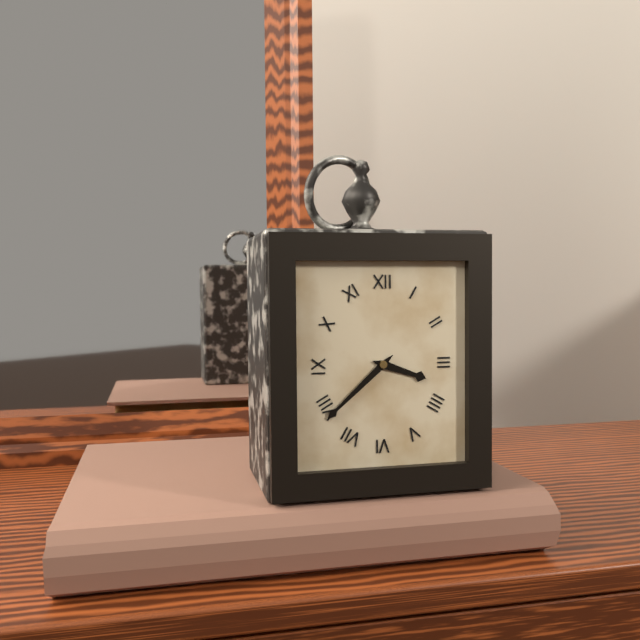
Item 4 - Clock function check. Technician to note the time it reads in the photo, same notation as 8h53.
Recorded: 3h38
